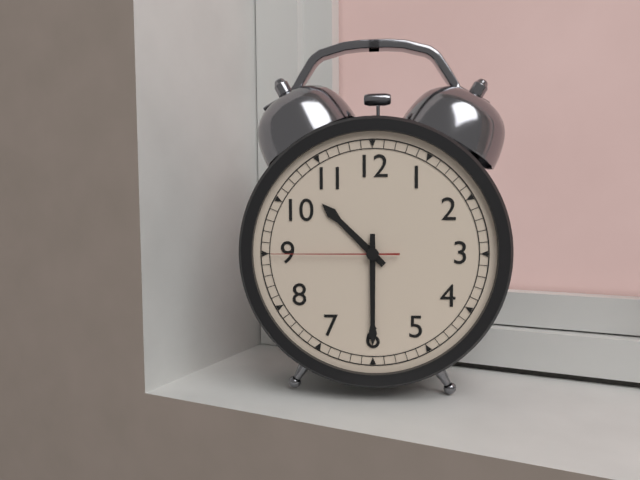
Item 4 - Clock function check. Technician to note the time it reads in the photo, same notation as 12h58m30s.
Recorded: 10h30m45s
